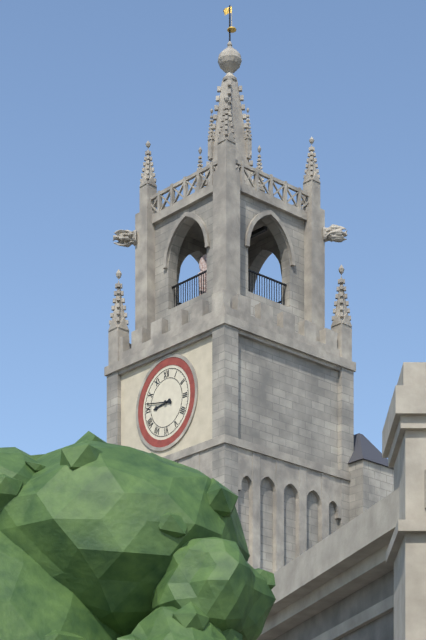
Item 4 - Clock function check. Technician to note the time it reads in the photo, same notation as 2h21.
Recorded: 8h47
